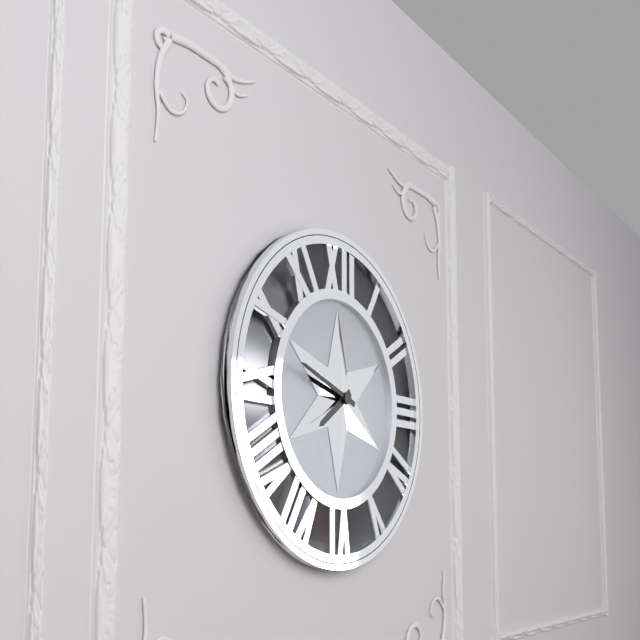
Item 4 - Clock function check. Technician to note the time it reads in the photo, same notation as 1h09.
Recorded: 7h48
